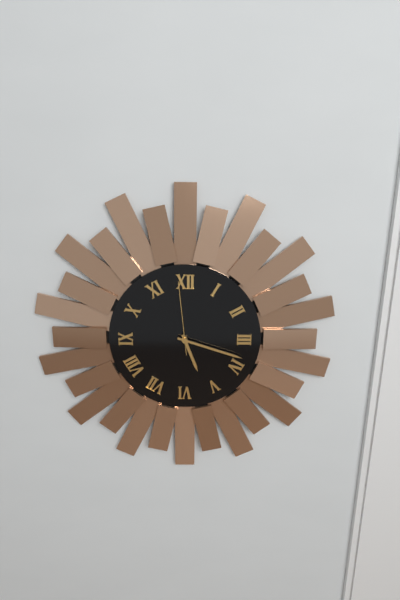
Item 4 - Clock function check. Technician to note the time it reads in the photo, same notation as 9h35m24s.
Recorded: 5h18m59s
